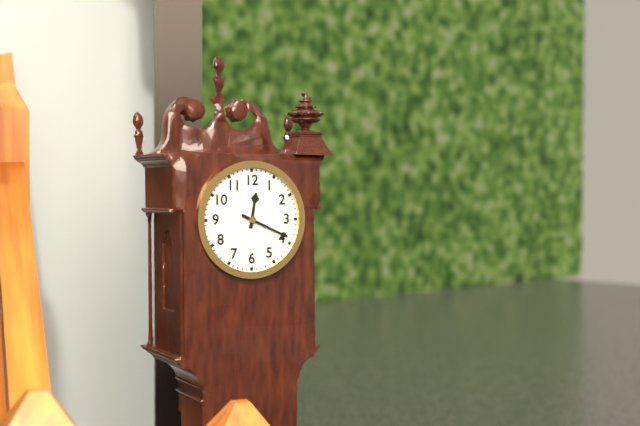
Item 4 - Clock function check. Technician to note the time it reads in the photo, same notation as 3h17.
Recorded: 12h19
